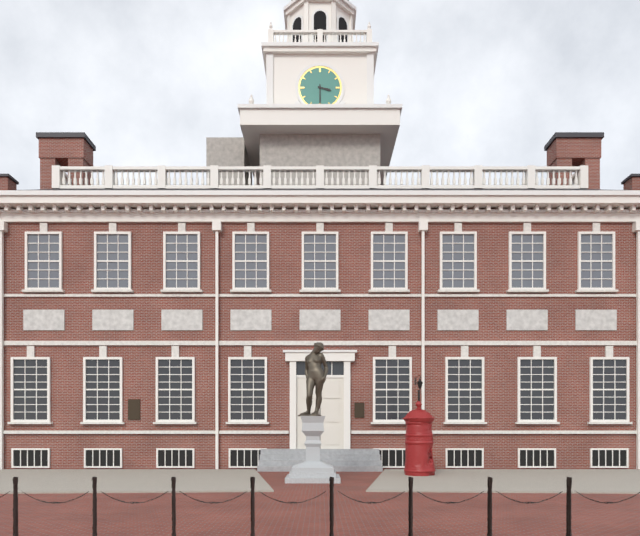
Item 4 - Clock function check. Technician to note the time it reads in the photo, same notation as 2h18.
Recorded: 3h30
